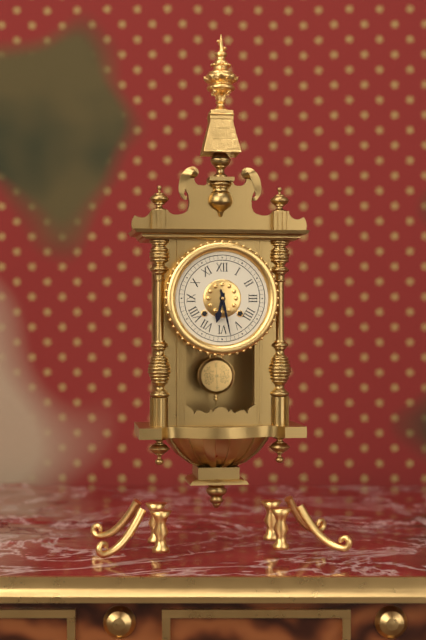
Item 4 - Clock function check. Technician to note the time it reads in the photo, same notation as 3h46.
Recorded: 6h28
